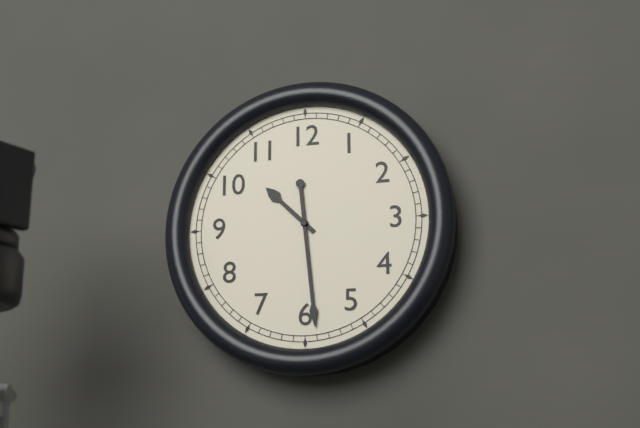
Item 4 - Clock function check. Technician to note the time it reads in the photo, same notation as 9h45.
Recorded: 10h29
